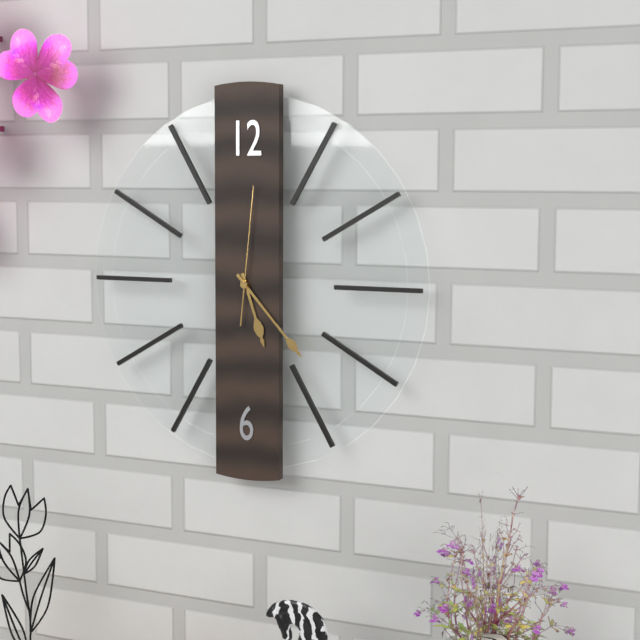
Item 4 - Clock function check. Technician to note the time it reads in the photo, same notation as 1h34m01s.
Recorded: 5h23m01s
